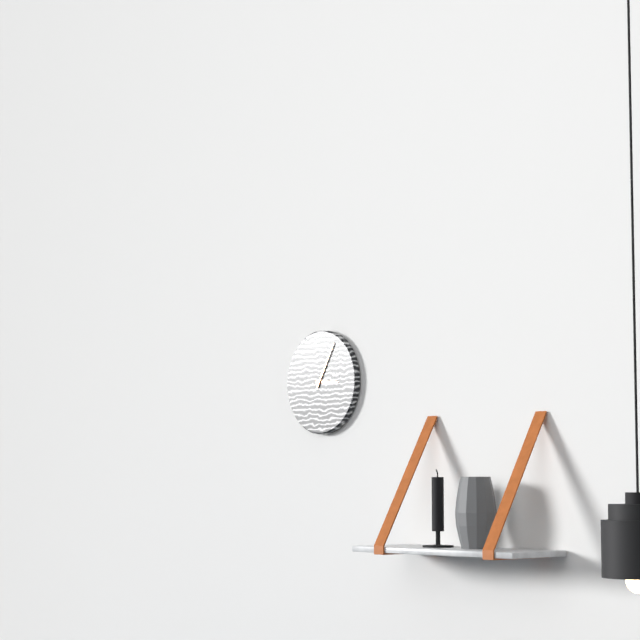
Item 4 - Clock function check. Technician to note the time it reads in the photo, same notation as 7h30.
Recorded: 3h05
